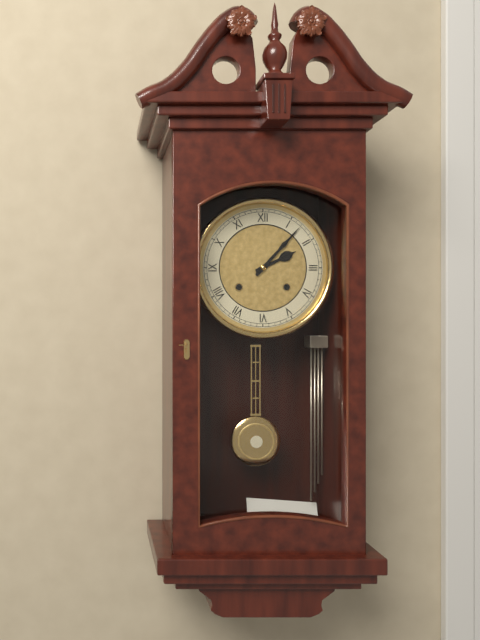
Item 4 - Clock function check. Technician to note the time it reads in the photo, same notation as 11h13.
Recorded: 2h07
